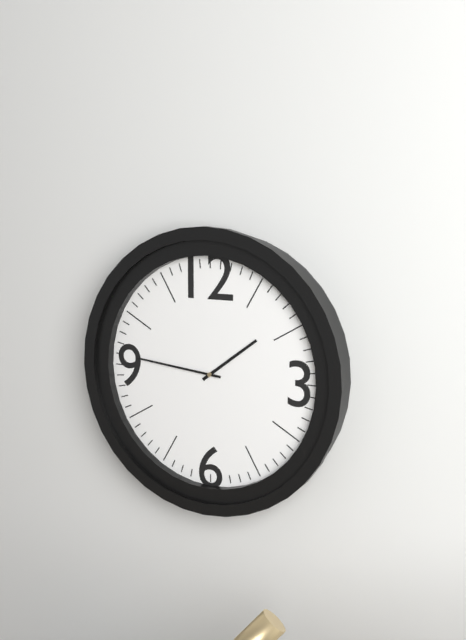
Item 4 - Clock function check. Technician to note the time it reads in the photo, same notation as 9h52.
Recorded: 1h46
